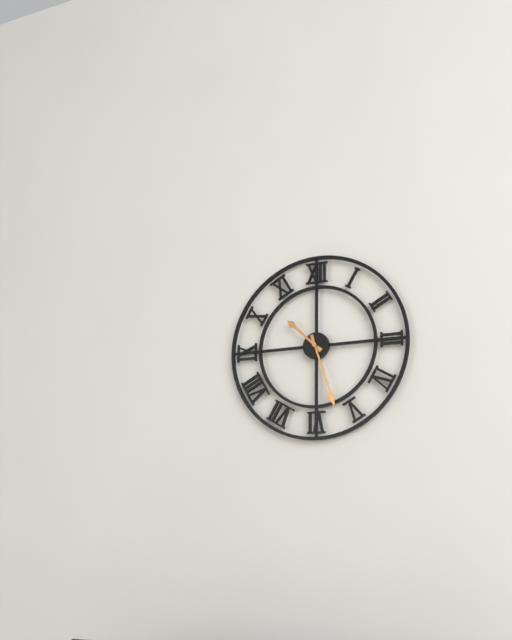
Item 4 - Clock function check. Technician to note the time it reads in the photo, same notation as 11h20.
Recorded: 10h27
